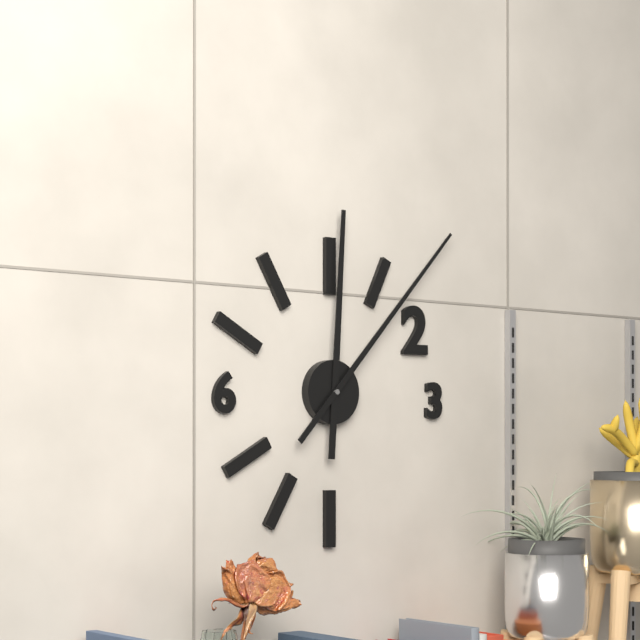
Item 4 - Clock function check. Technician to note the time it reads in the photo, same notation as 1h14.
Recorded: 12h07
